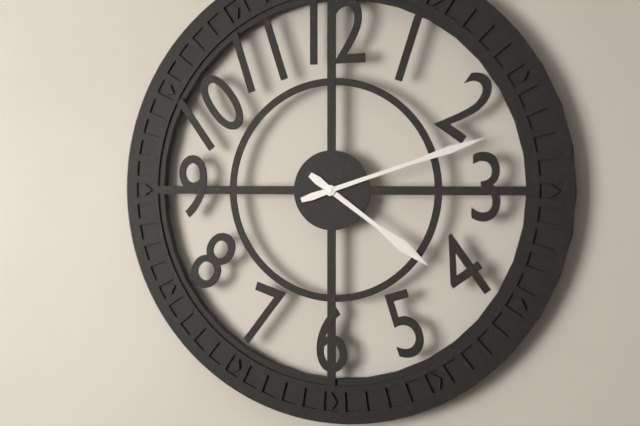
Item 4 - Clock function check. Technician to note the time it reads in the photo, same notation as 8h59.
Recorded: 4h12
